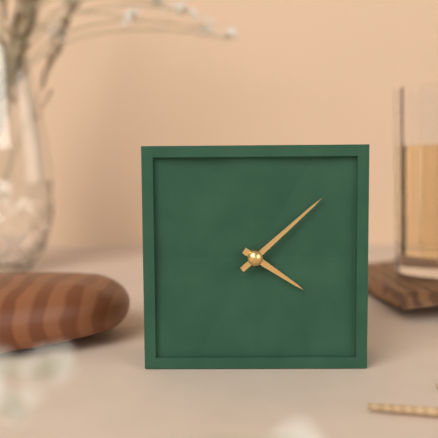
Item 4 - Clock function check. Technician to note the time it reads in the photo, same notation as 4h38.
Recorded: 4h08
